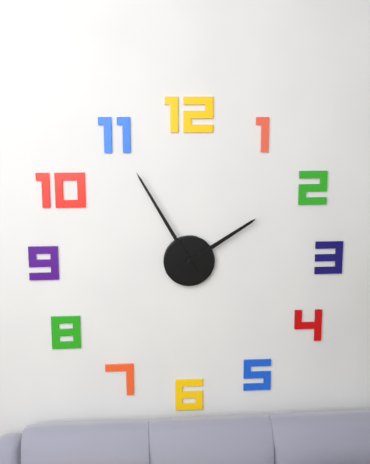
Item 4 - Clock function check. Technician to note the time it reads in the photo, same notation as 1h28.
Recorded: 1h55
